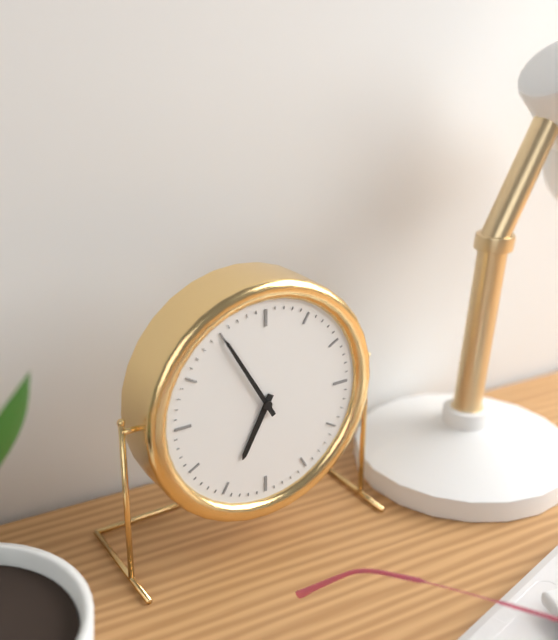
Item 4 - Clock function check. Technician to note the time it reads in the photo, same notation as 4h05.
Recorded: 6h55
